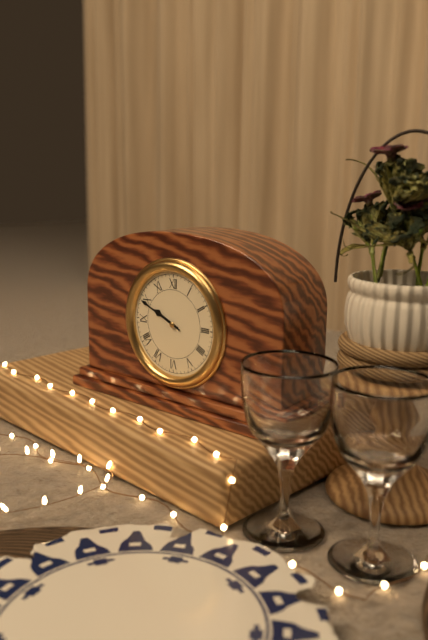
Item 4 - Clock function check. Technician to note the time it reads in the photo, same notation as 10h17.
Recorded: 9h49
